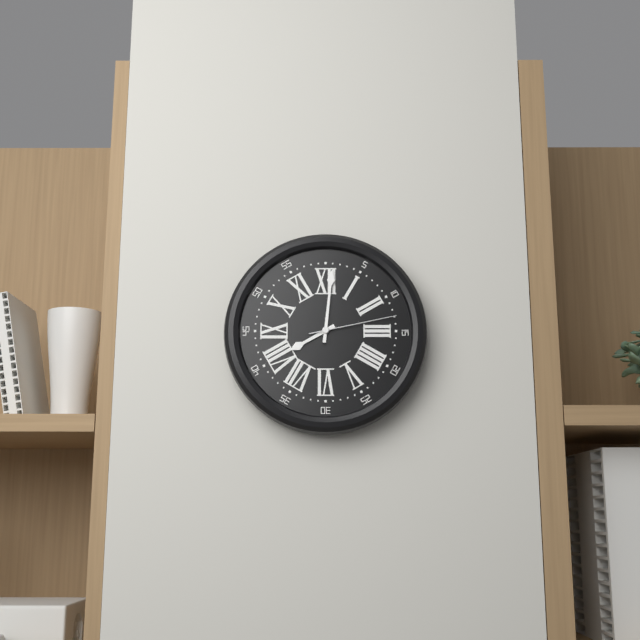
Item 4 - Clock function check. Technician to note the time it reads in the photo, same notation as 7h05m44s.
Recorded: 8h01m13s
